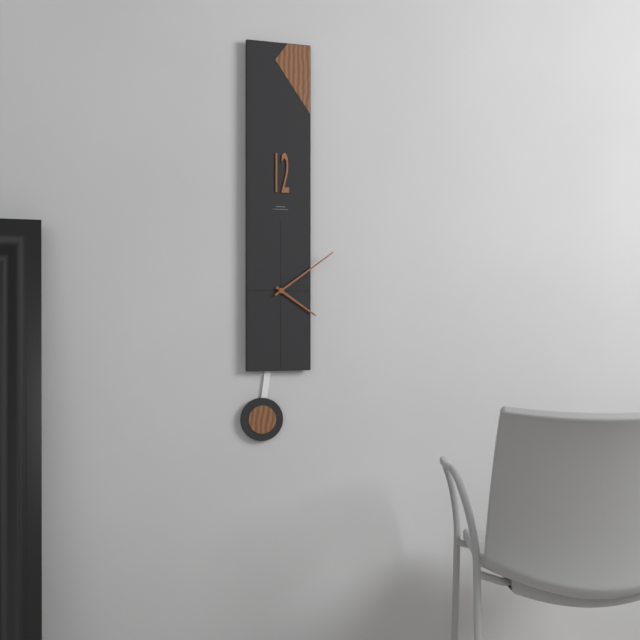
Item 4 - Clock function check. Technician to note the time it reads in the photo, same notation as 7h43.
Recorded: 4h09
